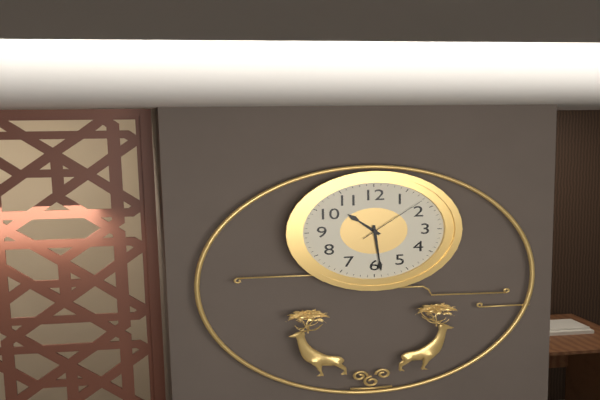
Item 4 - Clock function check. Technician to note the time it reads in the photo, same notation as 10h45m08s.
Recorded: 10h29m08s
